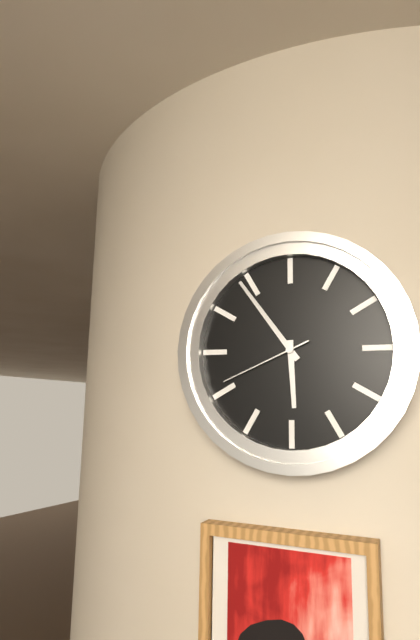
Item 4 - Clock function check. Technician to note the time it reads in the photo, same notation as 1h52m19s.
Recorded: 5h54m41s
